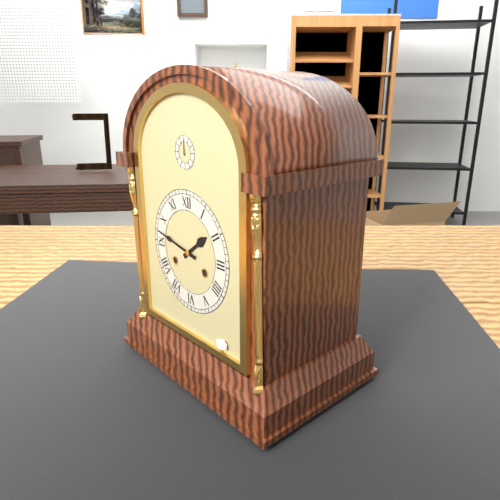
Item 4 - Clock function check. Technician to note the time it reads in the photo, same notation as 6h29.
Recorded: 1h47
